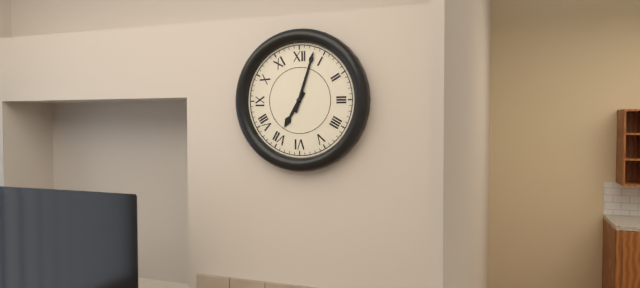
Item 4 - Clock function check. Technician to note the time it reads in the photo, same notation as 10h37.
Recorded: 7h03
